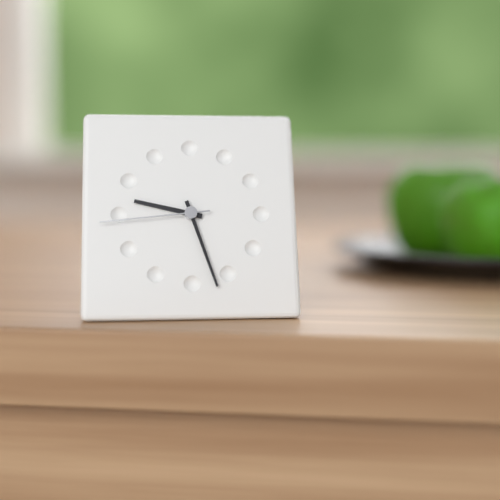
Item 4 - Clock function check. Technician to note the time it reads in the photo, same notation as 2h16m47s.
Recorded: 9h27m44s
